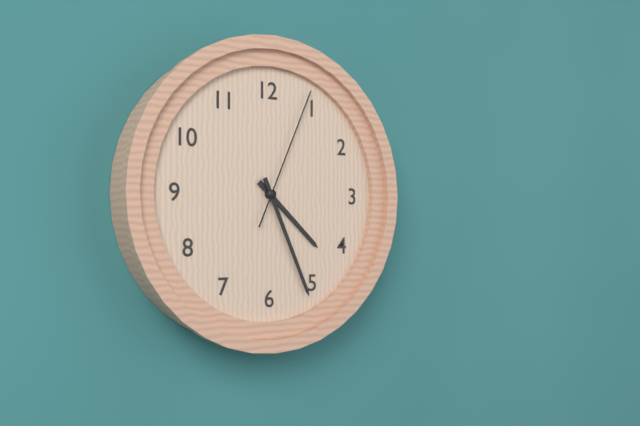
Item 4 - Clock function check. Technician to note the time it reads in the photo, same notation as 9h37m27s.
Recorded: 4h26m04s
